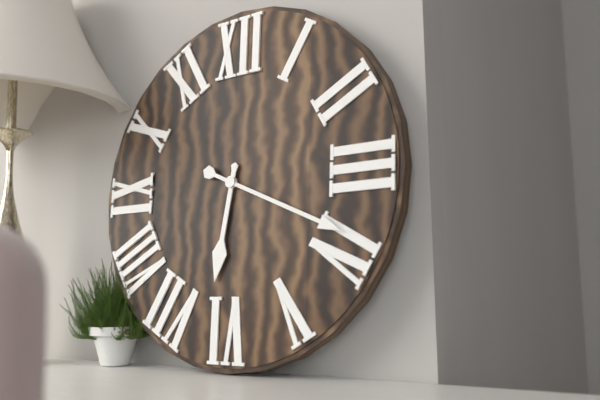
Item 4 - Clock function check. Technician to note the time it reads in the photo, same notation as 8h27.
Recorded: 6h19
